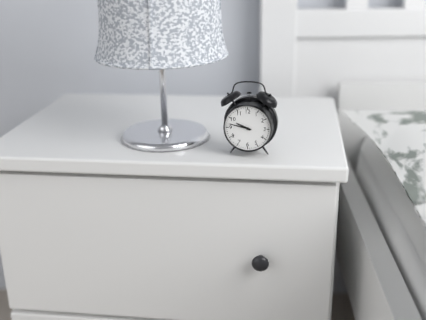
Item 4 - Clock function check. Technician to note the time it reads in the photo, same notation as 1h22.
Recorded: 9h47
